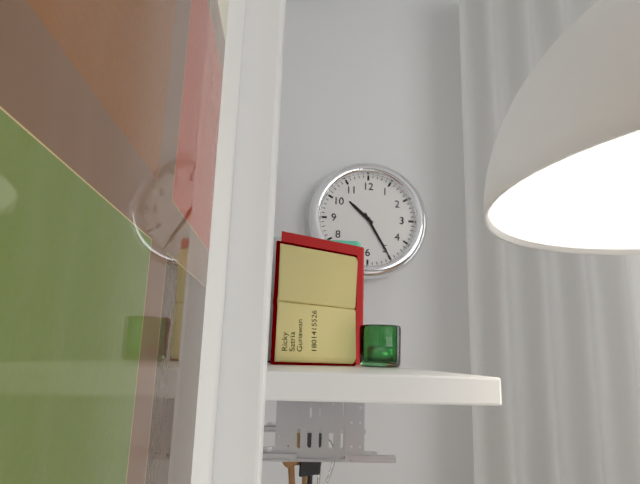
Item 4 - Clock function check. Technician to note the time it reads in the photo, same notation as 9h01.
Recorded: 10h25
